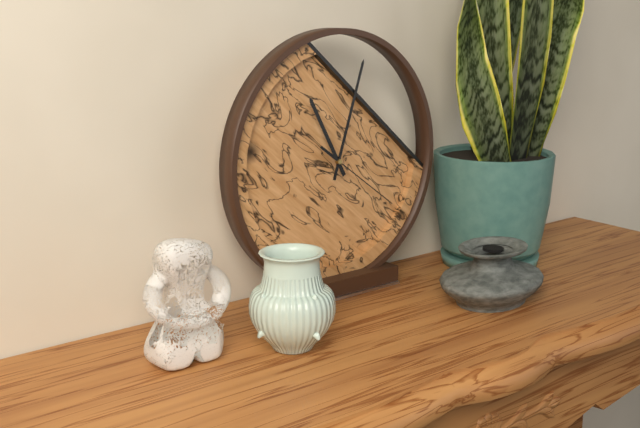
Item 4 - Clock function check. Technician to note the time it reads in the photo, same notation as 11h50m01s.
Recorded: 11h03m21s
